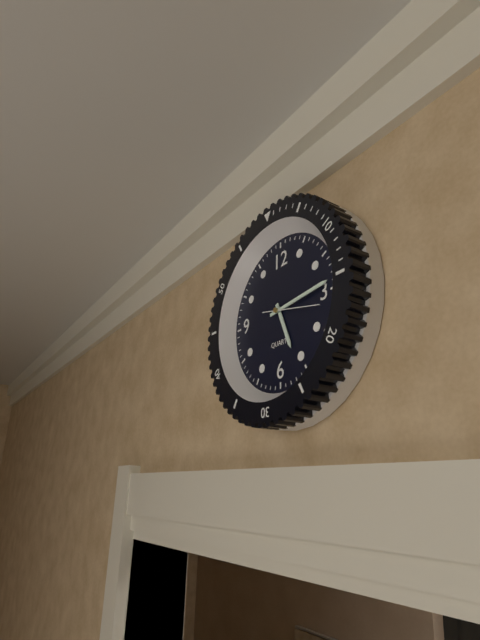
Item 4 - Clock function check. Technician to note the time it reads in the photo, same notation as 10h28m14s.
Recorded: 5h14m17s
